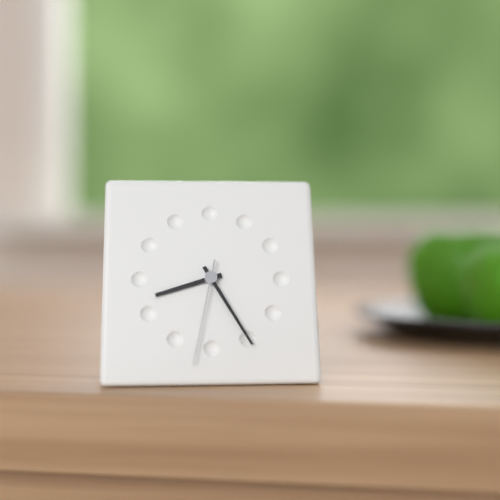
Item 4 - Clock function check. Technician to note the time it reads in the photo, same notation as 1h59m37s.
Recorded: 8h25m32s
